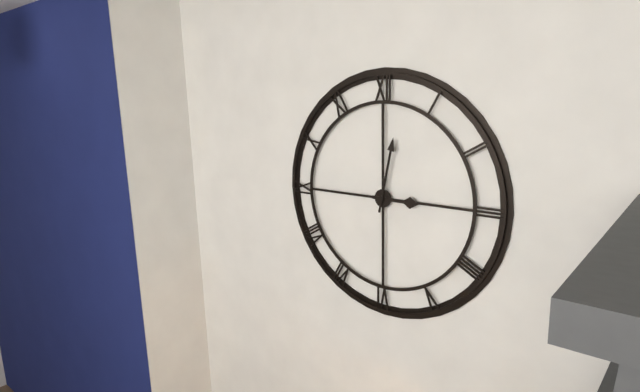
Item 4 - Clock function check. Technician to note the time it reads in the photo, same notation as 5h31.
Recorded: 3h02
